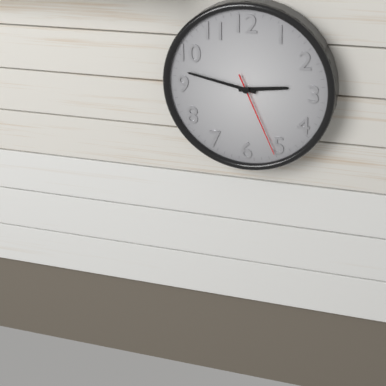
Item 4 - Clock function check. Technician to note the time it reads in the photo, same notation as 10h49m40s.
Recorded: 2h47m26s
